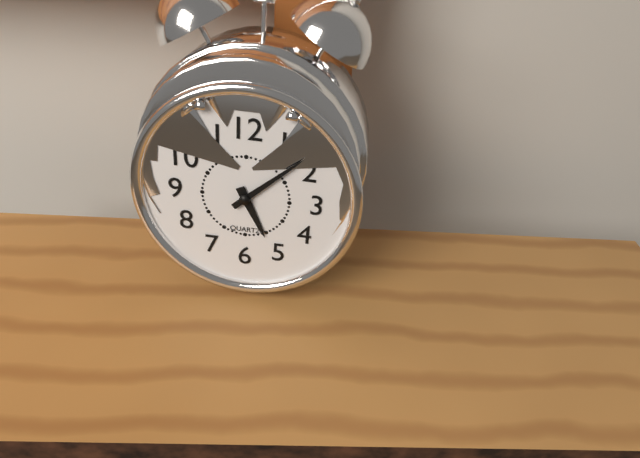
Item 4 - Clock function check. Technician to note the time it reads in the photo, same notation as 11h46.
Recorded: 5h08
